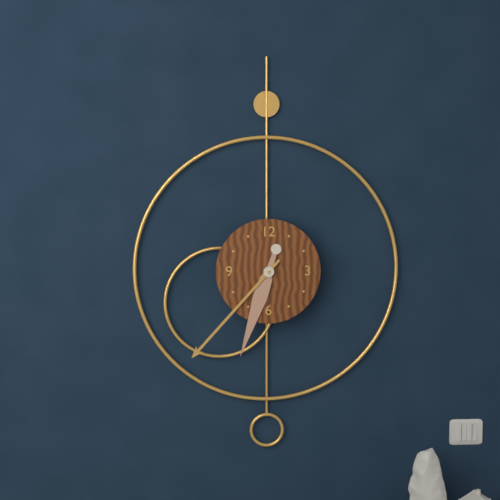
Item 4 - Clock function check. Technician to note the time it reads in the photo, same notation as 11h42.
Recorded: 6h37
